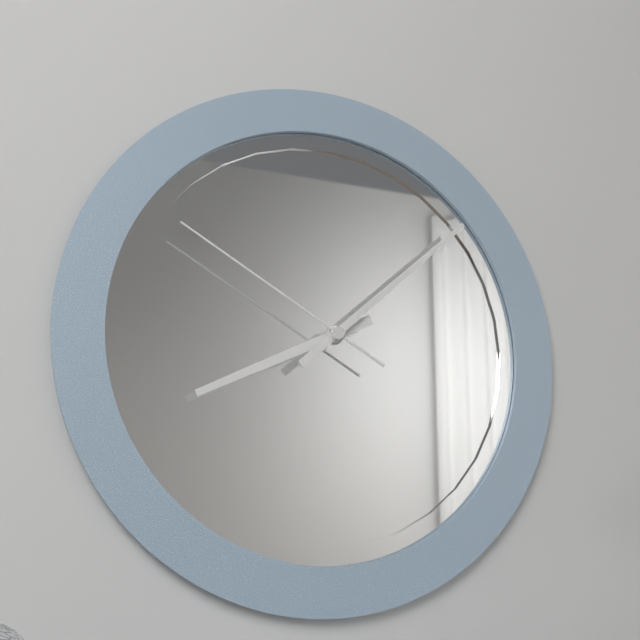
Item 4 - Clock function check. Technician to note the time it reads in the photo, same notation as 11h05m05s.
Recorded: 8h08m50s
